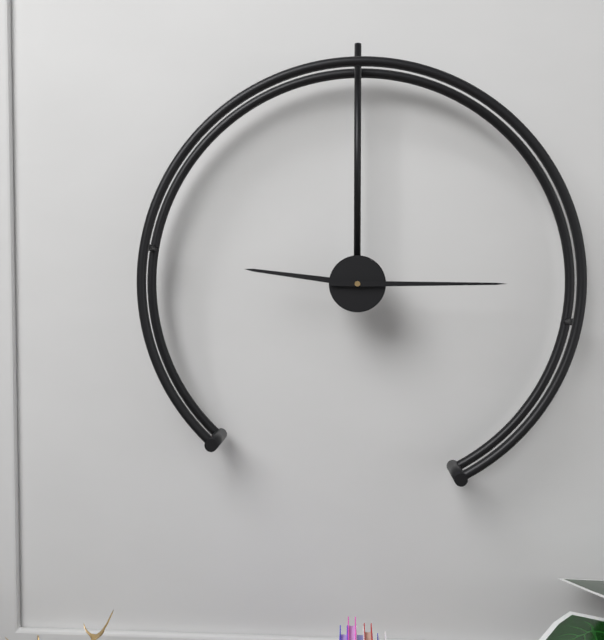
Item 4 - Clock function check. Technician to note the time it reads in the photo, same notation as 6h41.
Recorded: 9h15
